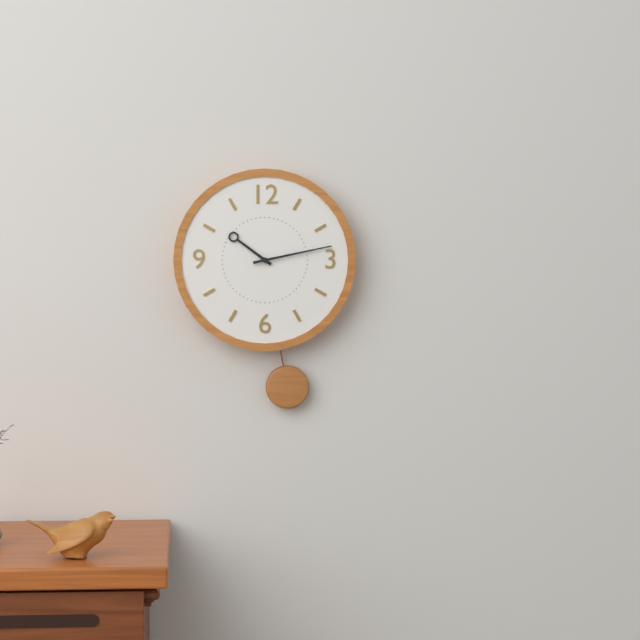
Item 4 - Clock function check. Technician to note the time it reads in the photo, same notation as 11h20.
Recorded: 10h13
